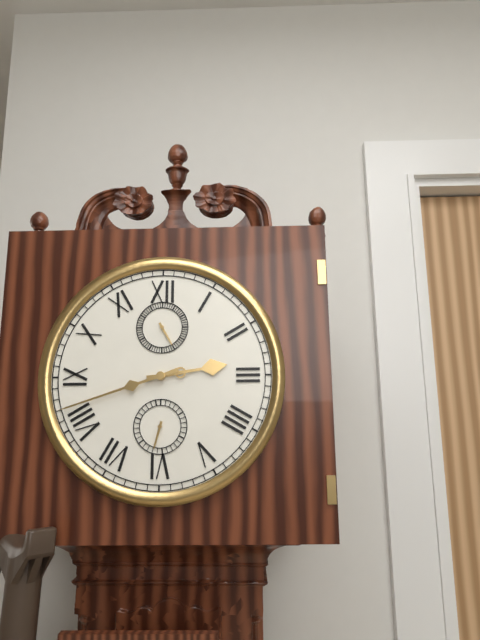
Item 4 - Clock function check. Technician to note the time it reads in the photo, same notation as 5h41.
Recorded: 2h42
